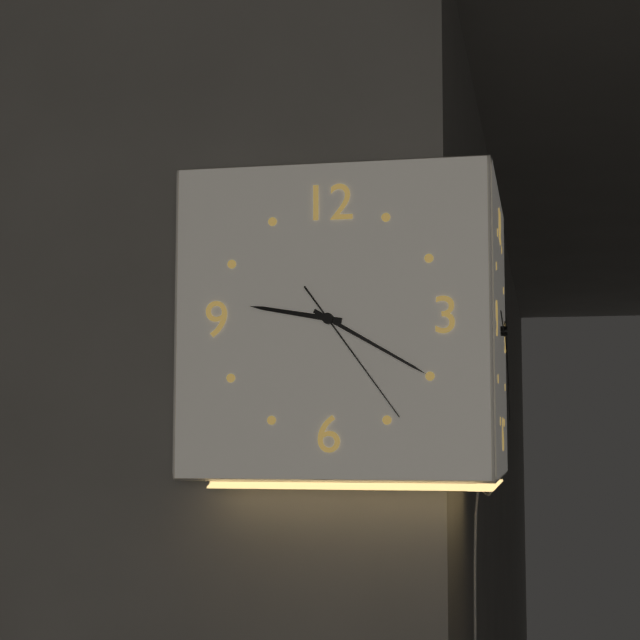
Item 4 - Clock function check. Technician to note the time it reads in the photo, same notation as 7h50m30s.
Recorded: 9h20m24s
